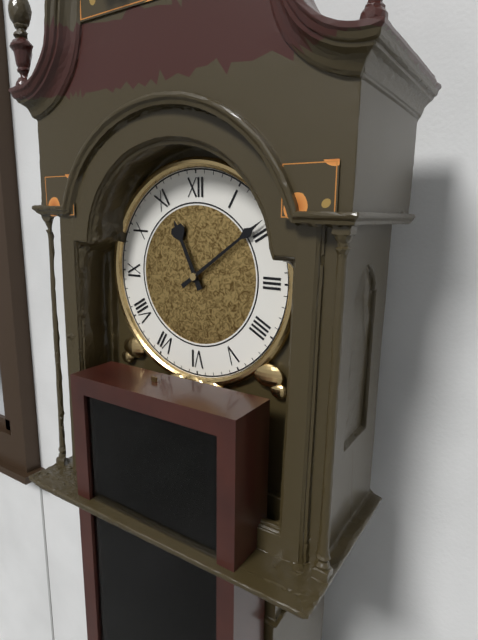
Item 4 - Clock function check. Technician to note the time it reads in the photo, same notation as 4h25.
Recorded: 11h09
